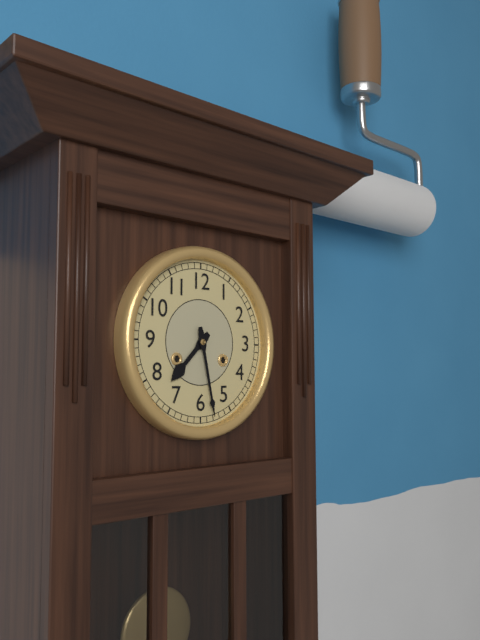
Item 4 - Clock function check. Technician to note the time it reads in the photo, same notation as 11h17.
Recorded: 7h28
